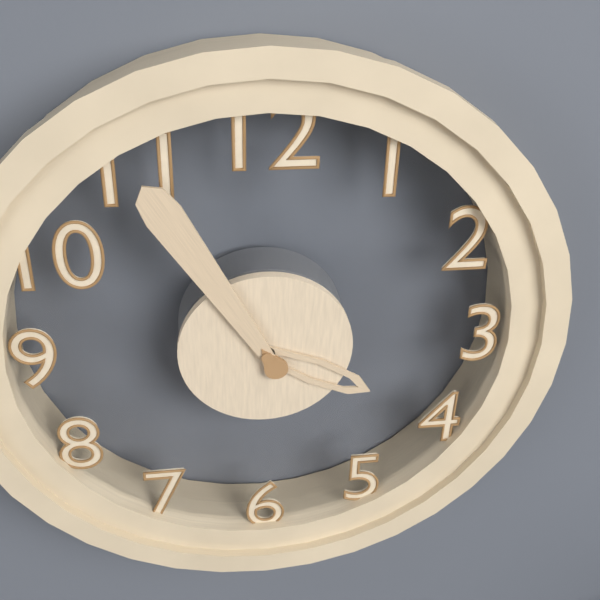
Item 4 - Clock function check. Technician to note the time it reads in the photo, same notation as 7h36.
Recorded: 3h55
